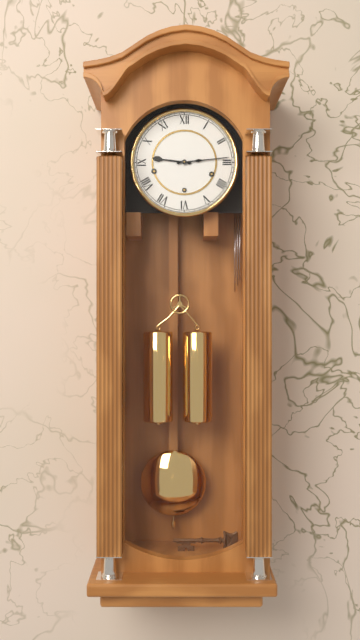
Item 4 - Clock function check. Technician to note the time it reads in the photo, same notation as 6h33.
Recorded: 9h14
